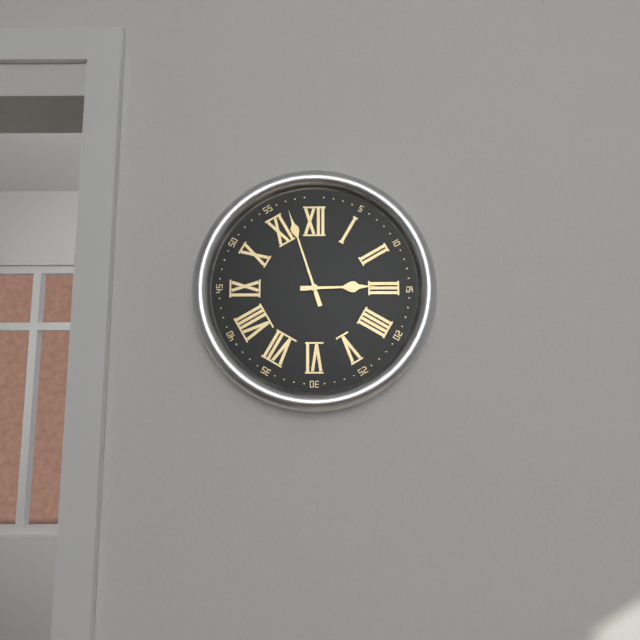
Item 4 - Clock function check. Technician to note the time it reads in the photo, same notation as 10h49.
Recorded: 2h57
